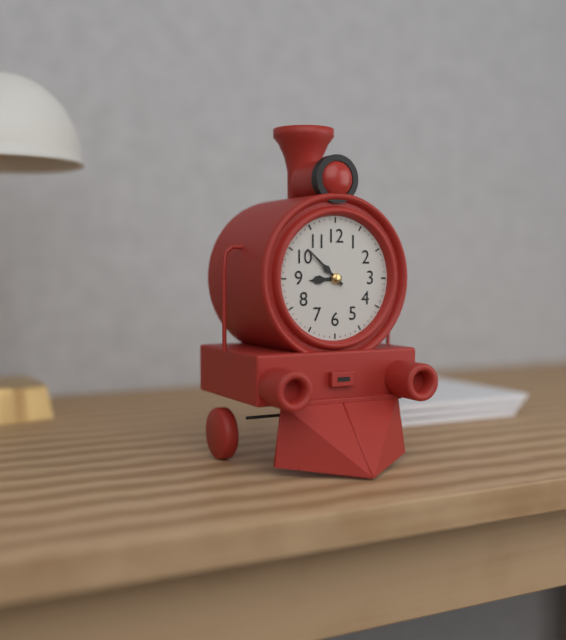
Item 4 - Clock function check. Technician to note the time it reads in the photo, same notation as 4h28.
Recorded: 8h52
